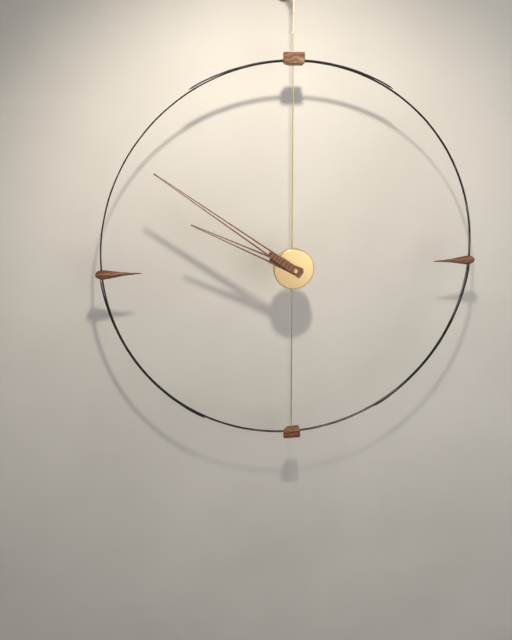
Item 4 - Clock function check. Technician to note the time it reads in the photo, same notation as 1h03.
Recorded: 9h51
